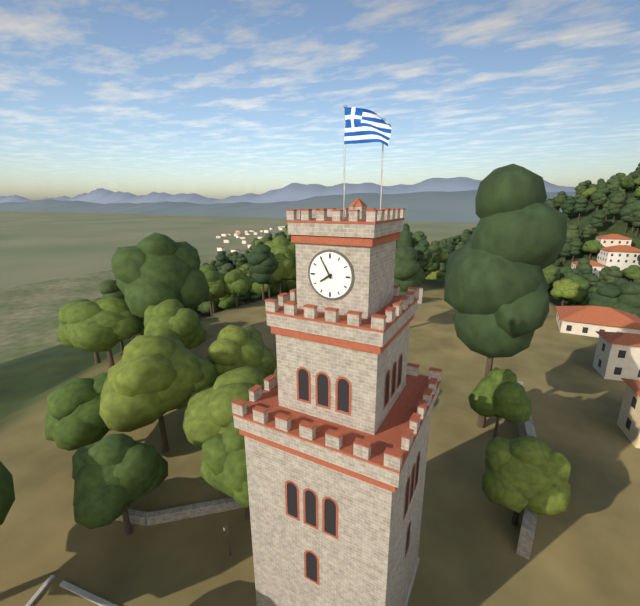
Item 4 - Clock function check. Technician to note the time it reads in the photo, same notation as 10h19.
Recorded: 7h55
